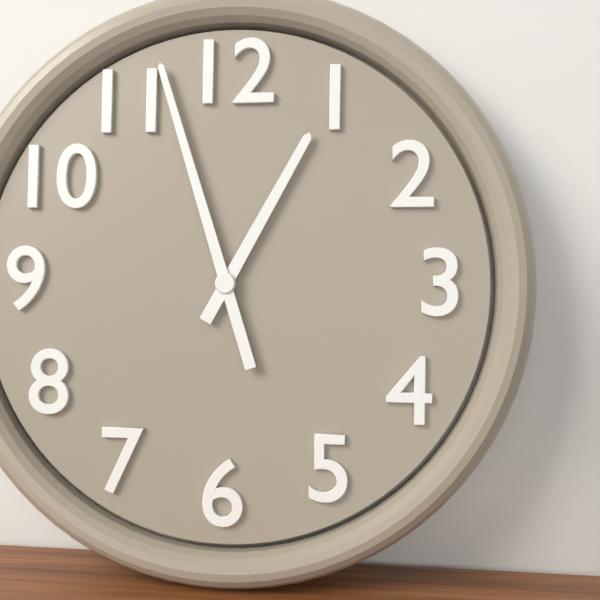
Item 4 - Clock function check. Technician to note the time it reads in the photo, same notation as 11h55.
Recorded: 12h57
